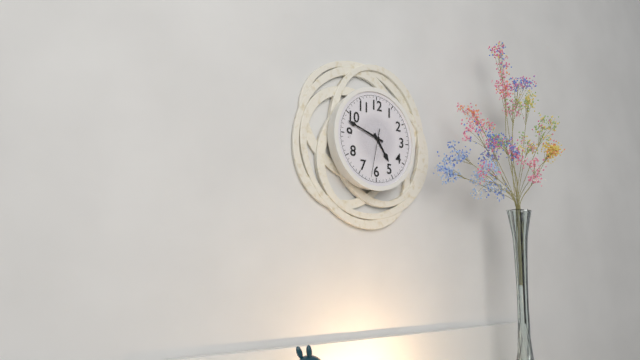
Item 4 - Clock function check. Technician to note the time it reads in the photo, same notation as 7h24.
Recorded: 4h48
